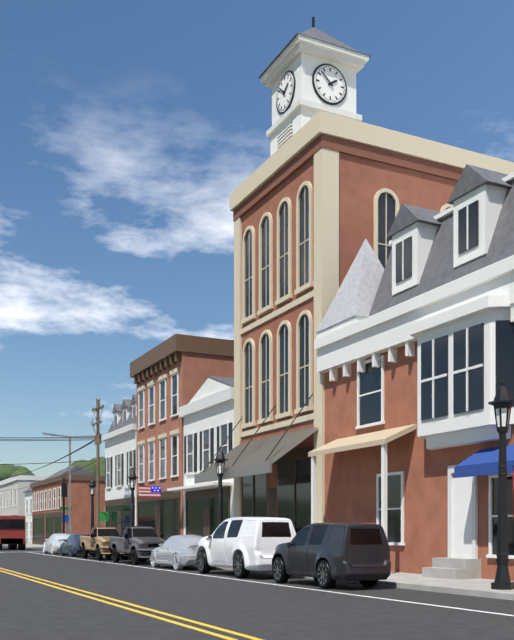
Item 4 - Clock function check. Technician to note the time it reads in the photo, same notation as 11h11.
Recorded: 1h52
